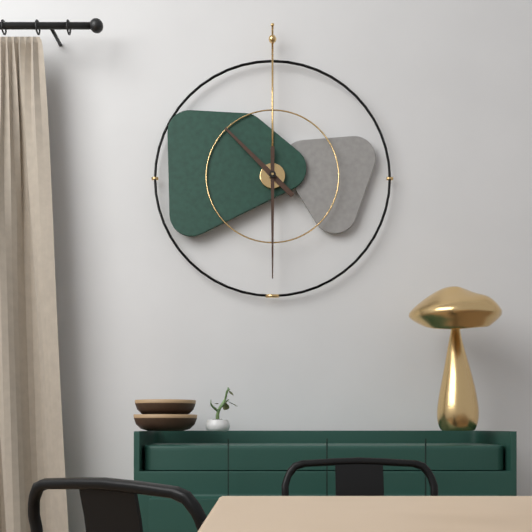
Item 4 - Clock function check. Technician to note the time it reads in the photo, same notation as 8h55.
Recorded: 10h30
